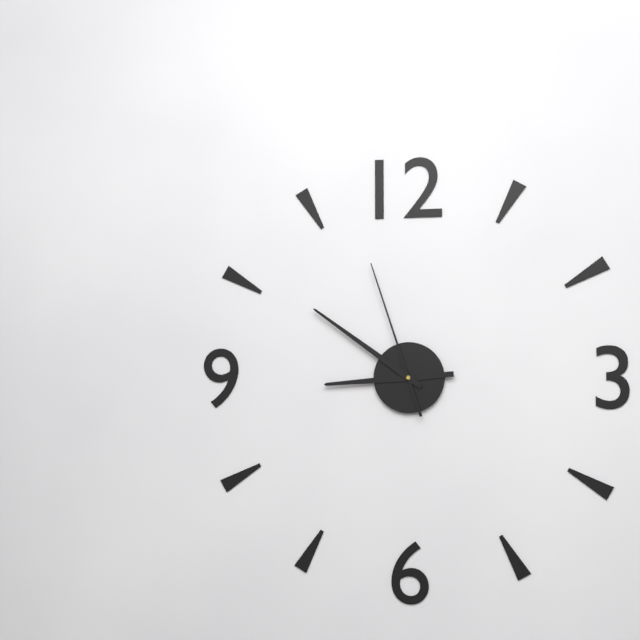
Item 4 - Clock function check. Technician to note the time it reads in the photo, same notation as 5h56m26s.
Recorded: 8h51m57s
